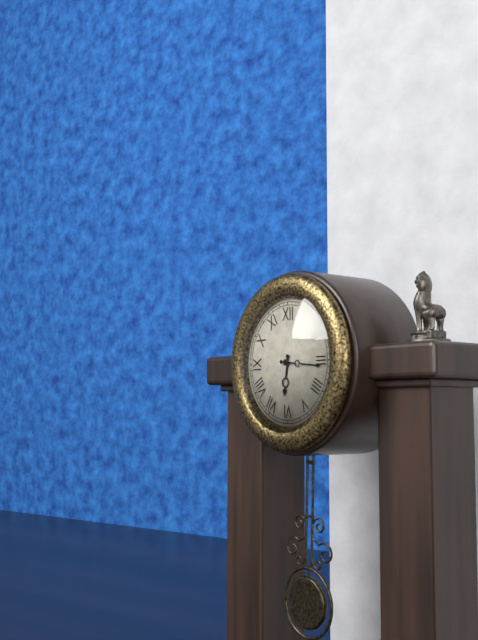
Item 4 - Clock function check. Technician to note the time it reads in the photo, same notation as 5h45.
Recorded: 6h16
